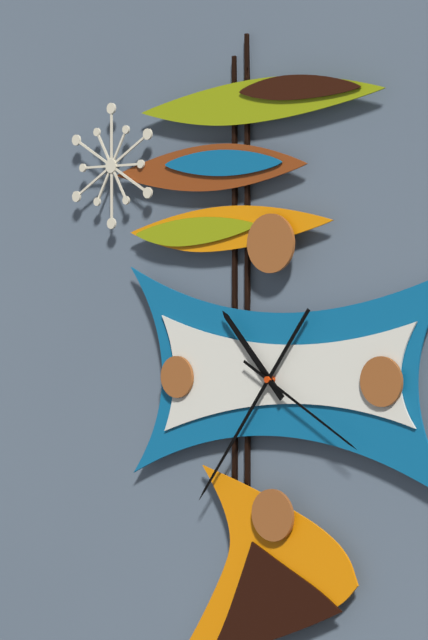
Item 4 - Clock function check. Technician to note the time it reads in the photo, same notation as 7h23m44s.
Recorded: 10h36m20s
